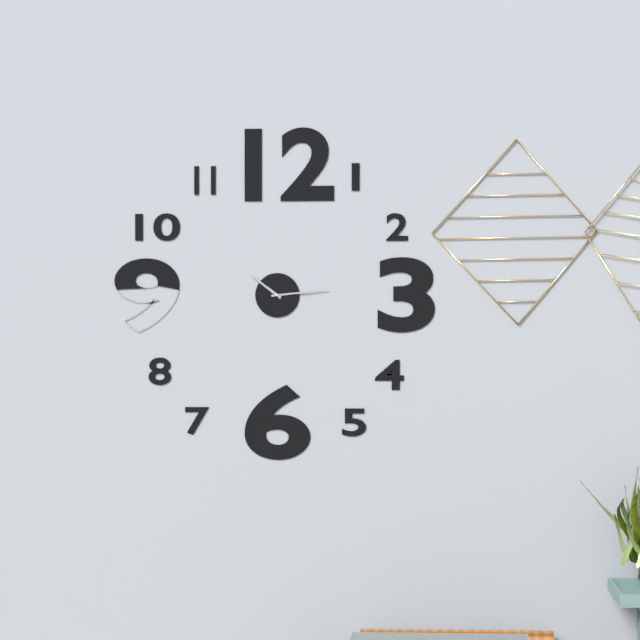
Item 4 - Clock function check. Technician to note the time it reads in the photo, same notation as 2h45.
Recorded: 10h14
